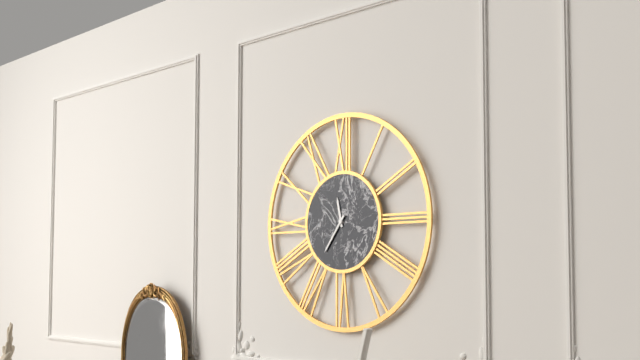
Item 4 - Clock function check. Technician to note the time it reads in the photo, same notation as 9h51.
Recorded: 11h36
